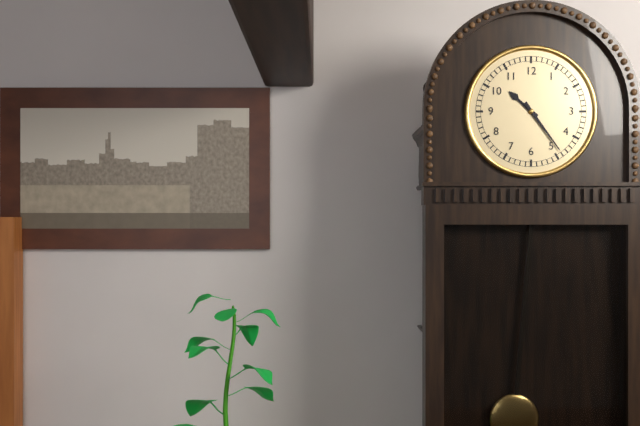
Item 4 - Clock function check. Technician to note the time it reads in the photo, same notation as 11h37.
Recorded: 10h24
